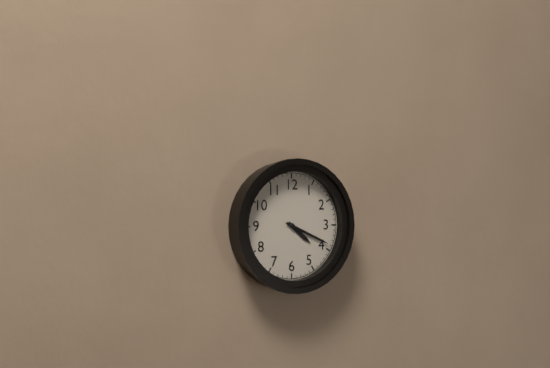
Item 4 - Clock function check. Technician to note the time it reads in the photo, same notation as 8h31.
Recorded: 4h19
